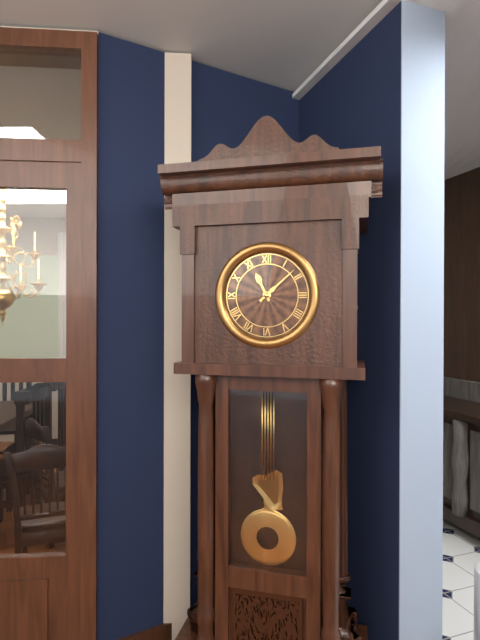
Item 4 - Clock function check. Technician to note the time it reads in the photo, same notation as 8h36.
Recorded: 11h08
